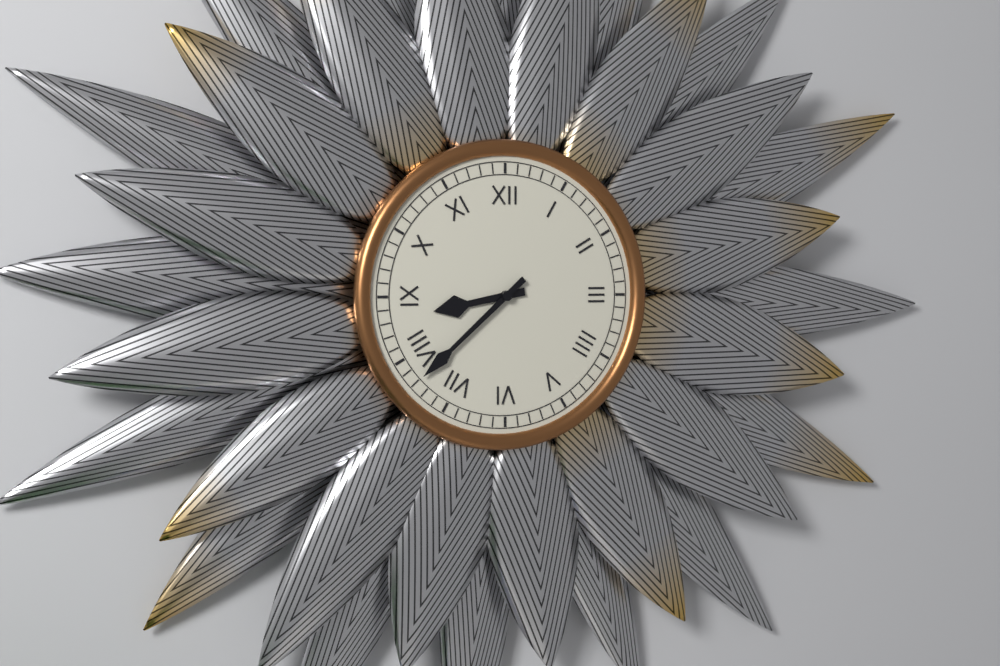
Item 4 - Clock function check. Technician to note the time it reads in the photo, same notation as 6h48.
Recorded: 8h38
